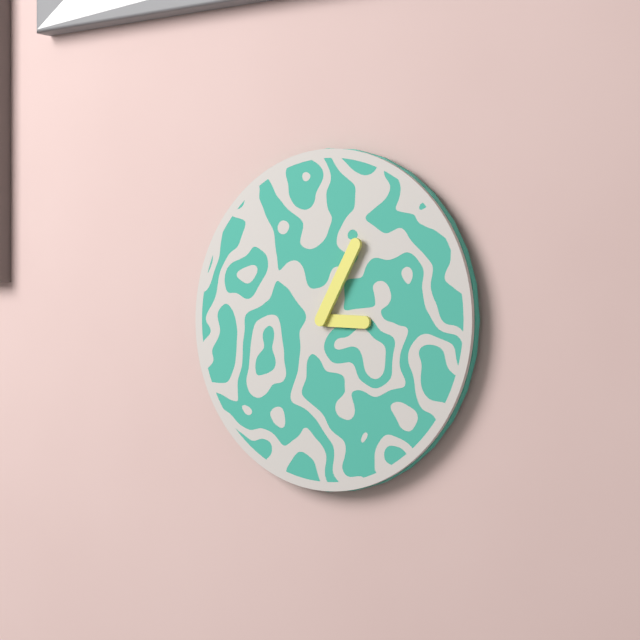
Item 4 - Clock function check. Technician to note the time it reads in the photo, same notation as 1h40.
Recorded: 3h05
